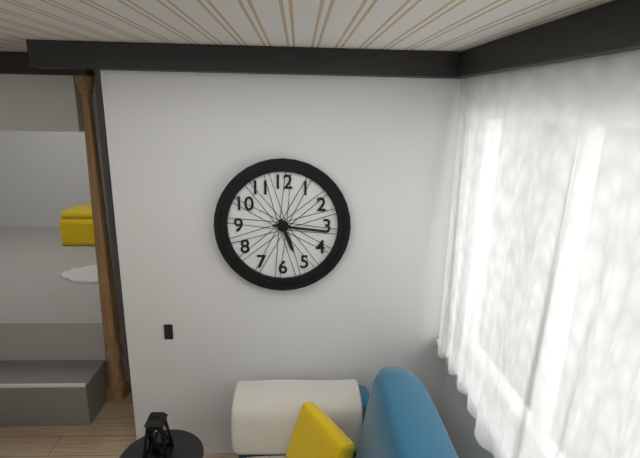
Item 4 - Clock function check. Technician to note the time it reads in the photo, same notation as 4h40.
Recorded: 5h16
